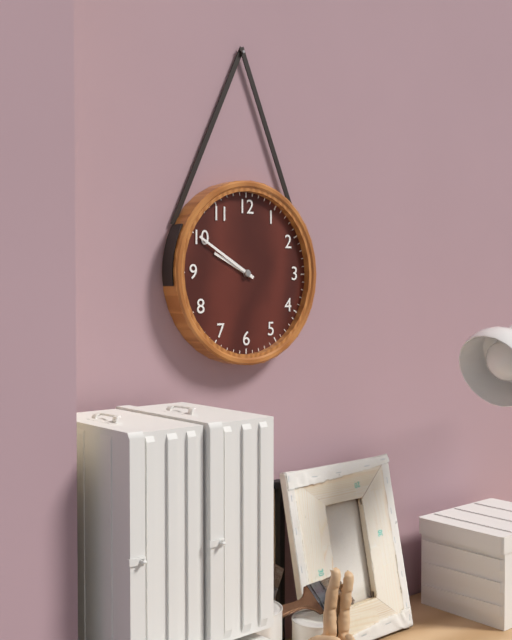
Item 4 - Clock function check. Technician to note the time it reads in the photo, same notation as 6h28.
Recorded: 9h50
